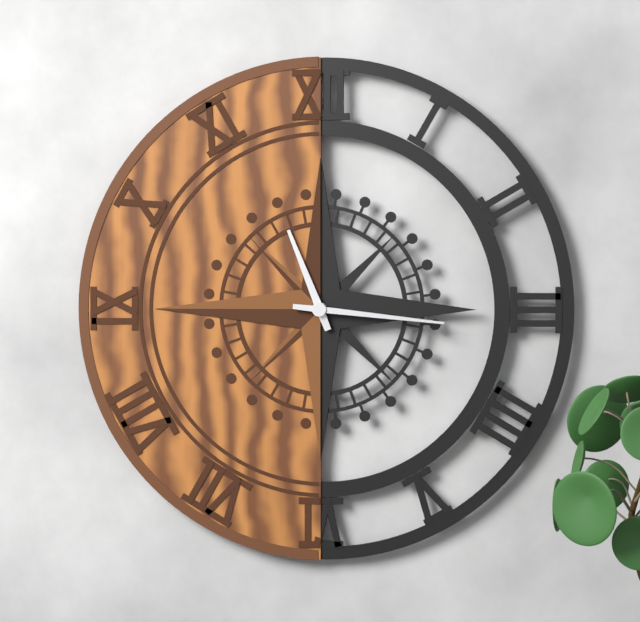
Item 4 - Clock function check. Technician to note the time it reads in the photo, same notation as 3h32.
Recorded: 11h16
